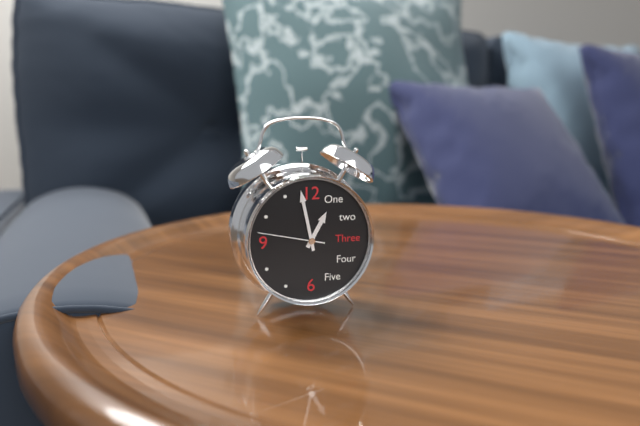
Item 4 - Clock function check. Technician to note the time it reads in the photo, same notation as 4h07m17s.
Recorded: 12h58m47s
